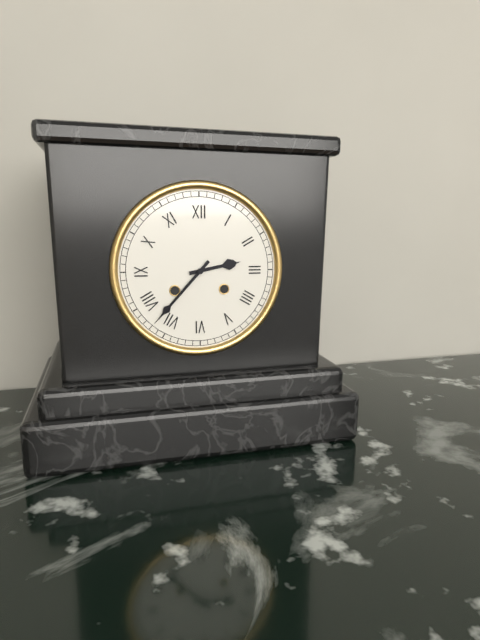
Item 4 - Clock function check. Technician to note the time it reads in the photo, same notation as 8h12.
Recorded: 2h37
